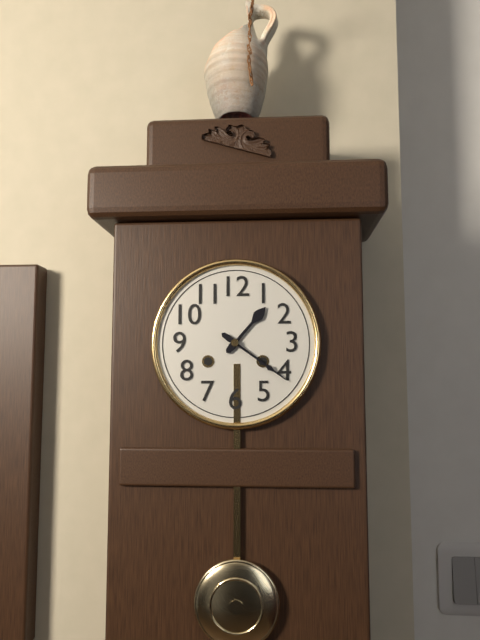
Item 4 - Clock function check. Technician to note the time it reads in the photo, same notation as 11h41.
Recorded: 1h21
